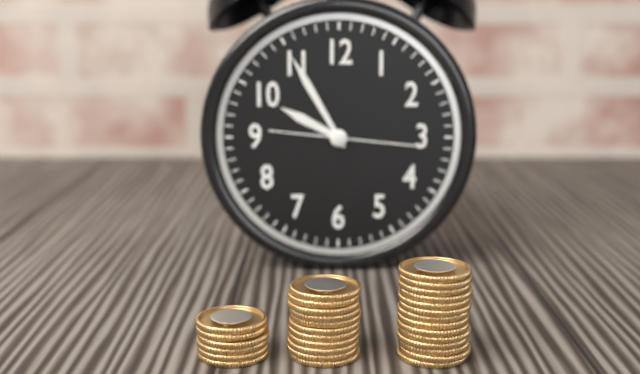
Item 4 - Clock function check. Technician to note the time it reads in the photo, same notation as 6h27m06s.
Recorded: 9h55m16s
